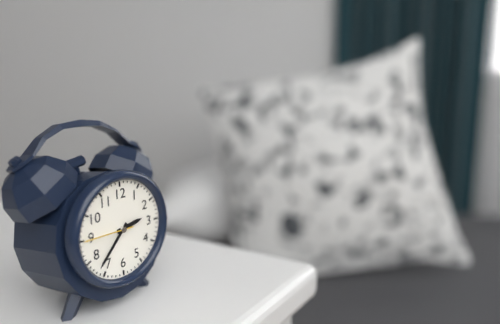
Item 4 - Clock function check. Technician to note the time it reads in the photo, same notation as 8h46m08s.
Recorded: 2h37m45s
